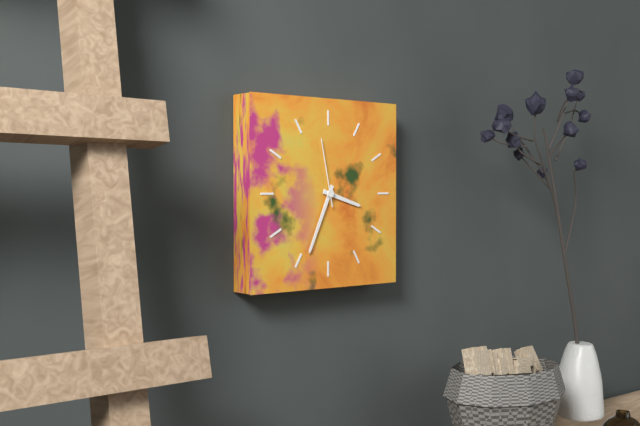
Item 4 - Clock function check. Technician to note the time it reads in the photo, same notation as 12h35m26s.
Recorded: 3h34m58s
